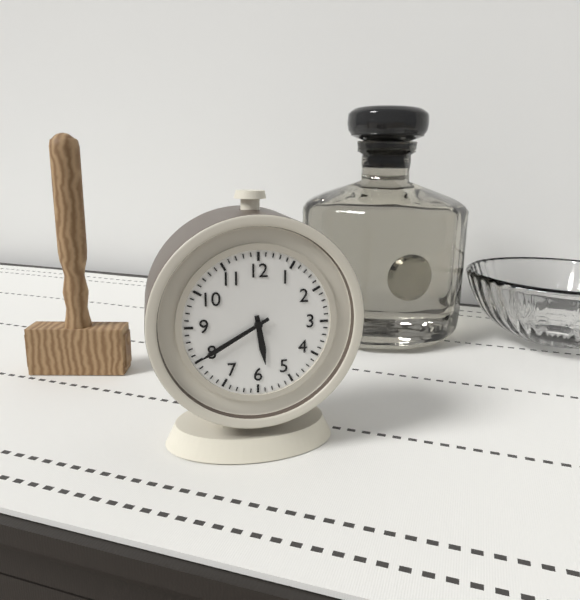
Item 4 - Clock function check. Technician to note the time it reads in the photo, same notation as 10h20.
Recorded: 5h40
